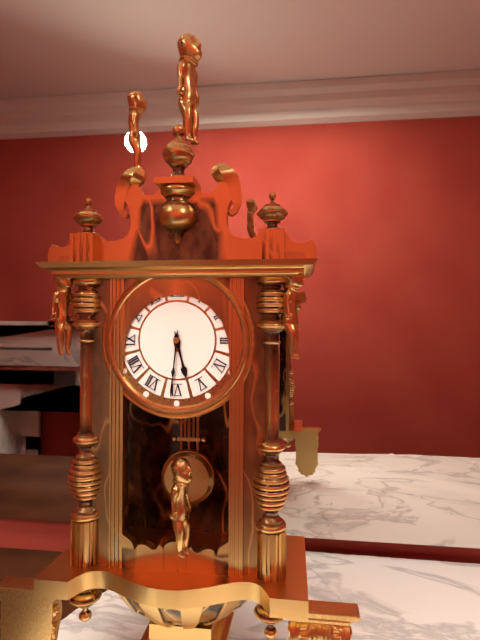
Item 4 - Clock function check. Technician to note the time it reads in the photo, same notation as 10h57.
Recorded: 5h31
